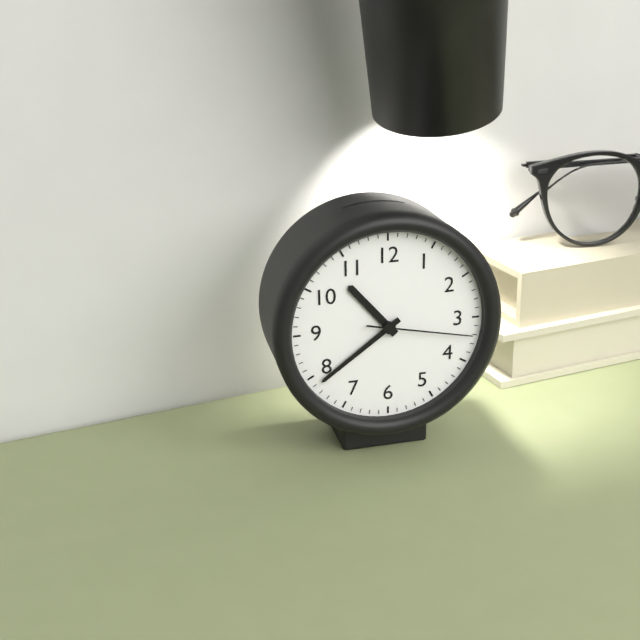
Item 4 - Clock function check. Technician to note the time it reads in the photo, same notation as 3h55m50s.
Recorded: 10h39m17s
